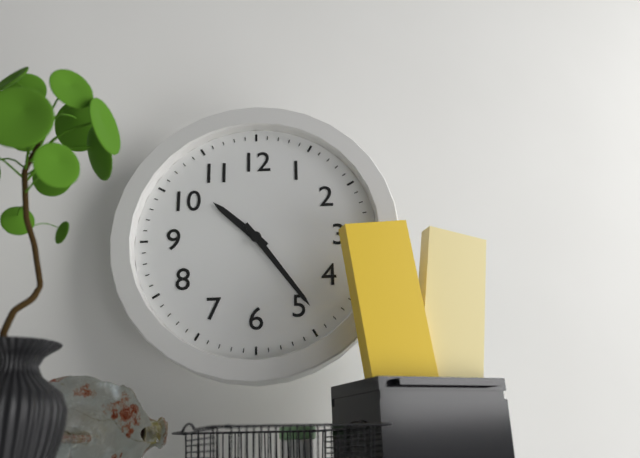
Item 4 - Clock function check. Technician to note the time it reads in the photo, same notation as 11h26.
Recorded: 10h24
